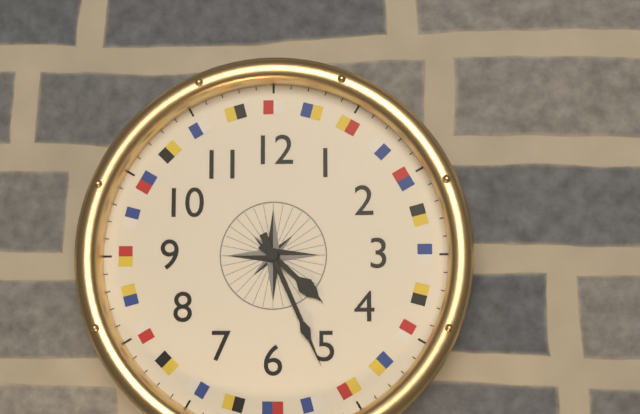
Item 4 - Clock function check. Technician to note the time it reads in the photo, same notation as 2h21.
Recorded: 4h26
